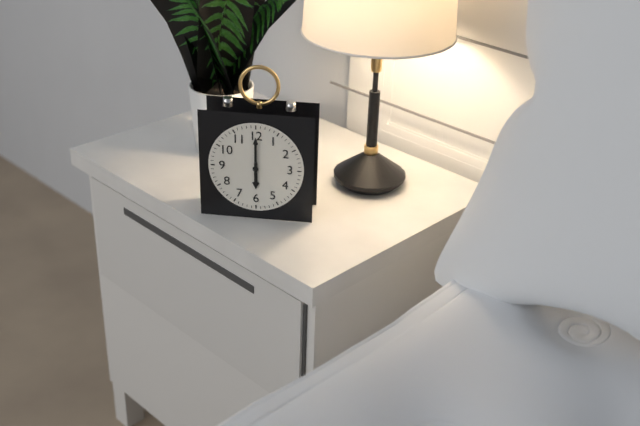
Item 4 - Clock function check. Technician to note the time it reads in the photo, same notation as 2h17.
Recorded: 6h00
